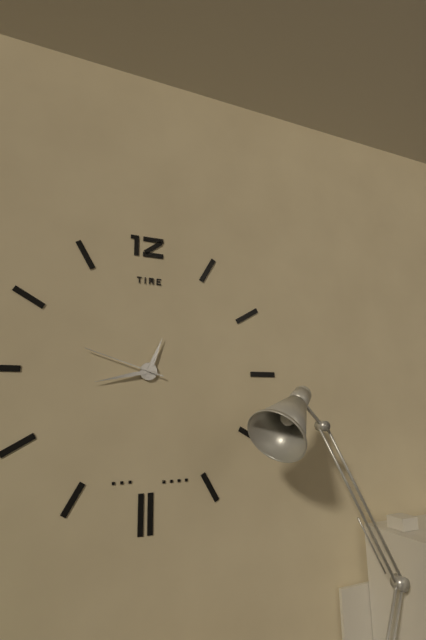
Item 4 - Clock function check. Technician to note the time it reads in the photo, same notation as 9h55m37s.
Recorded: 12h43m48s
